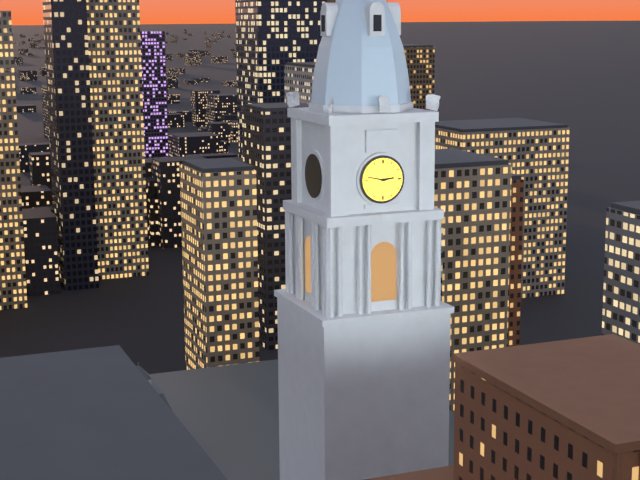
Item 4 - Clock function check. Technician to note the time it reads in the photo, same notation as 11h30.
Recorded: 2h47
